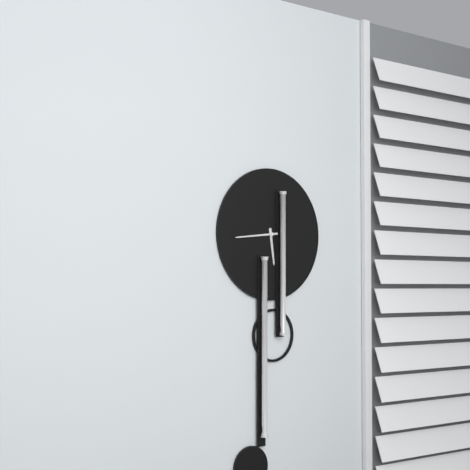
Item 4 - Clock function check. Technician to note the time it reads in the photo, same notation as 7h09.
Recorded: 5h44
